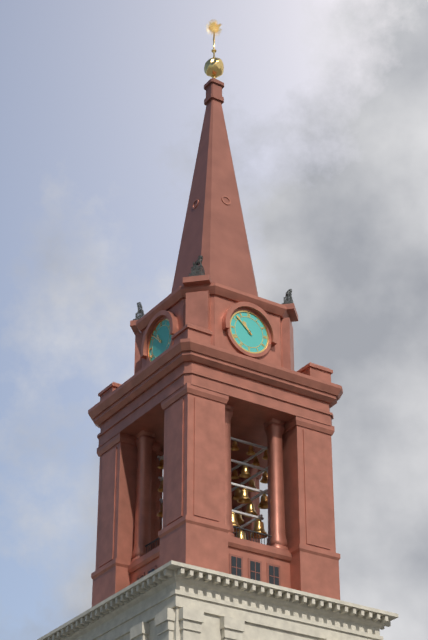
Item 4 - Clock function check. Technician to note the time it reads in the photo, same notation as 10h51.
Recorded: 10h52
